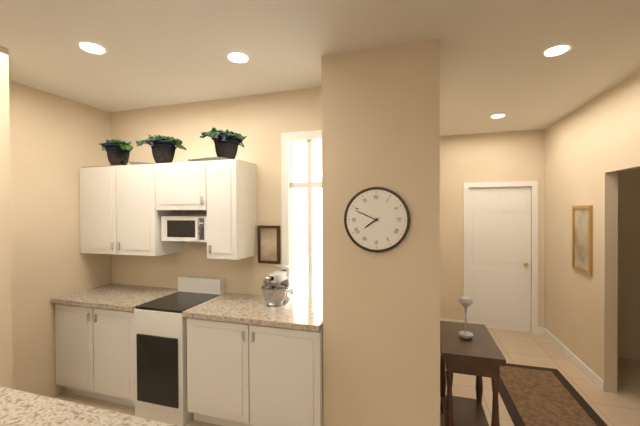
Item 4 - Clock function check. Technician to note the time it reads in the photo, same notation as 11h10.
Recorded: 7h49
